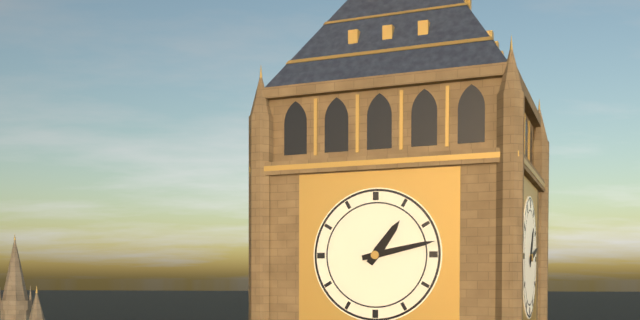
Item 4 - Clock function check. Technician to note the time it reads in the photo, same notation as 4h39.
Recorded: 1h13
